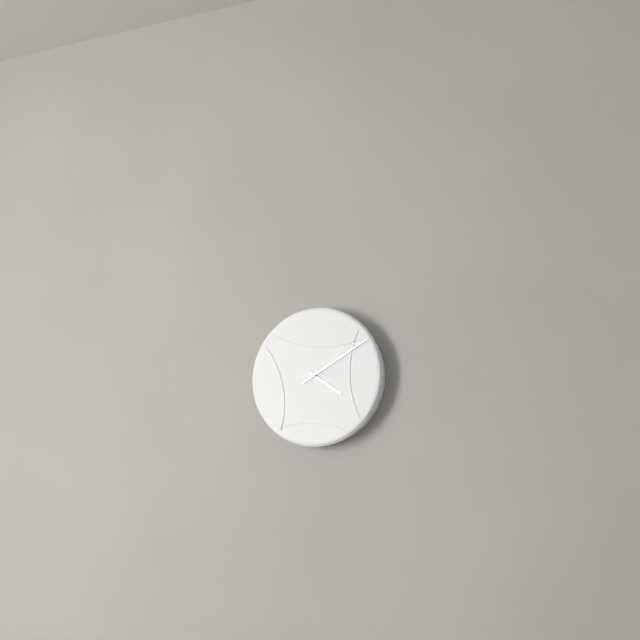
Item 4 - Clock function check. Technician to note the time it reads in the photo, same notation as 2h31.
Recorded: 4h10
